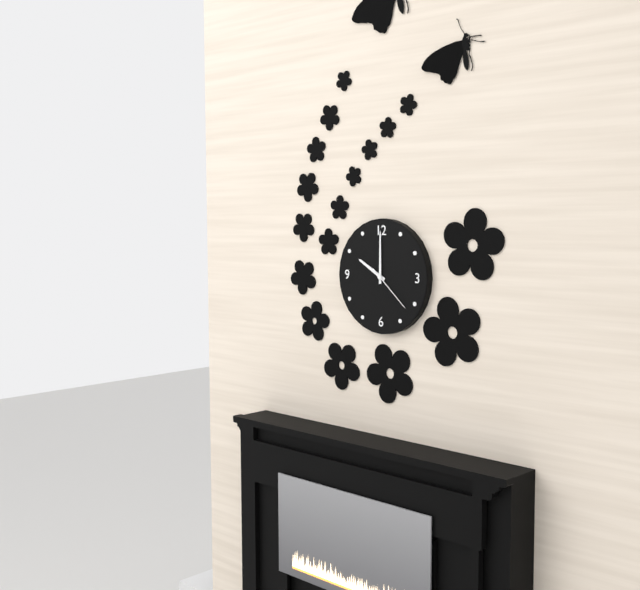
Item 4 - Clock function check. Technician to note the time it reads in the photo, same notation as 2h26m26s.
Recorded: 10h00m22s
